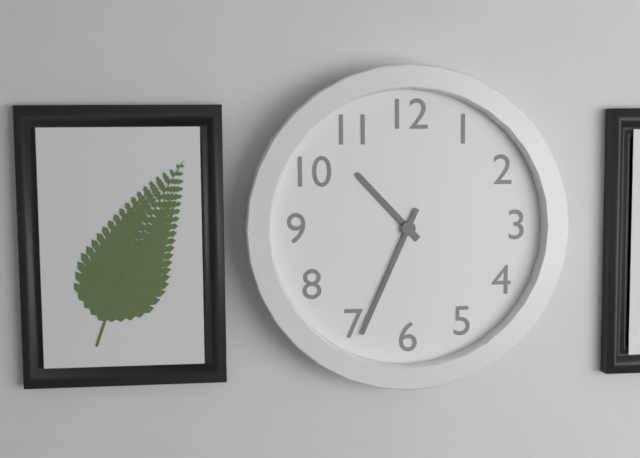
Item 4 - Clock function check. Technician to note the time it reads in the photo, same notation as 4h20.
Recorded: 10h34
